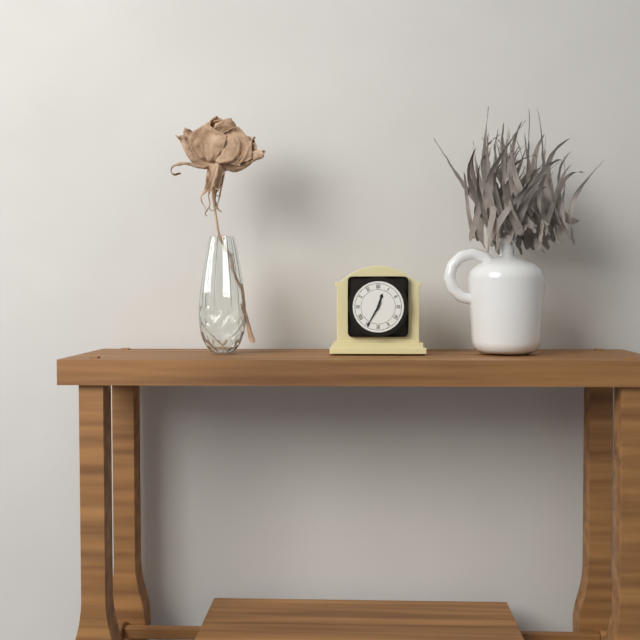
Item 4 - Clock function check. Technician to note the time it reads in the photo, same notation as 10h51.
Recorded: 12h35
